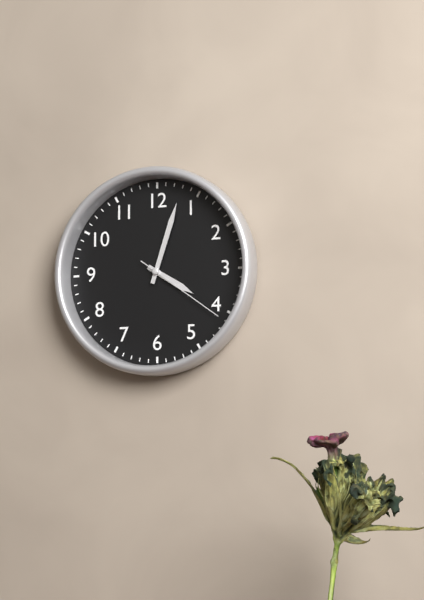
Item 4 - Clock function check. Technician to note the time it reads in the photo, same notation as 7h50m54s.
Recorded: 4h03m21s
